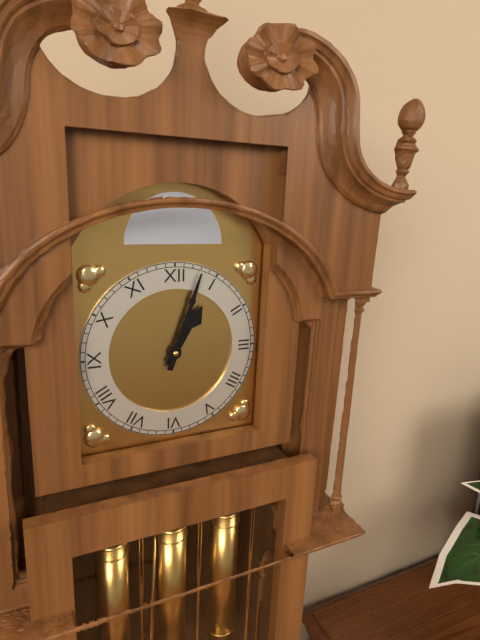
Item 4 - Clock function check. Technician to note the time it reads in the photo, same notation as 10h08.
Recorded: 1h03
